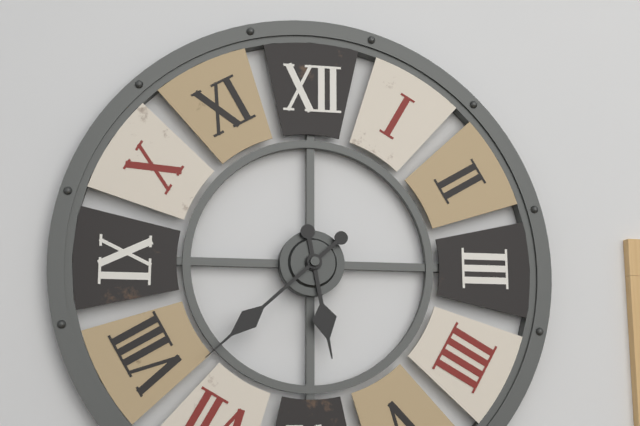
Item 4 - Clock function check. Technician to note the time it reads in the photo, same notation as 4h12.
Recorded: 5h38
